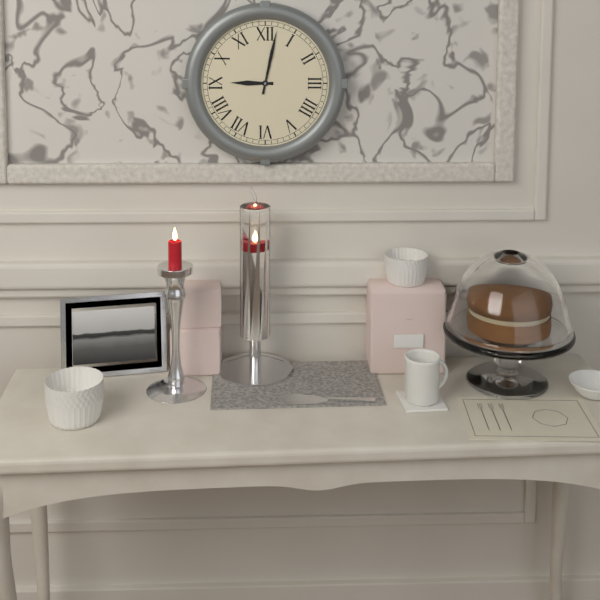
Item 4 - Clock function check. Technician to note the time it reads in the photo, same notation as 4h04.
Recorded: 9h02
